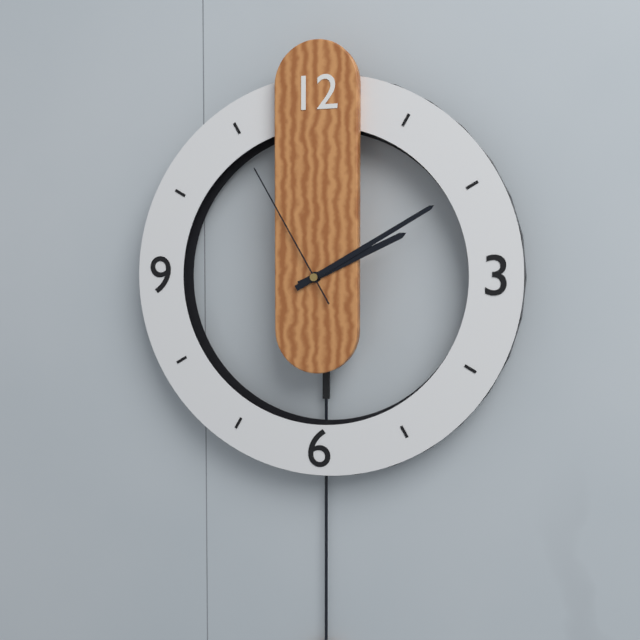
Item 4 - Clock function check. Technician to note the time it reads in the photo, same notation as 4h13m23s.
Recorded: 2h10m55s
